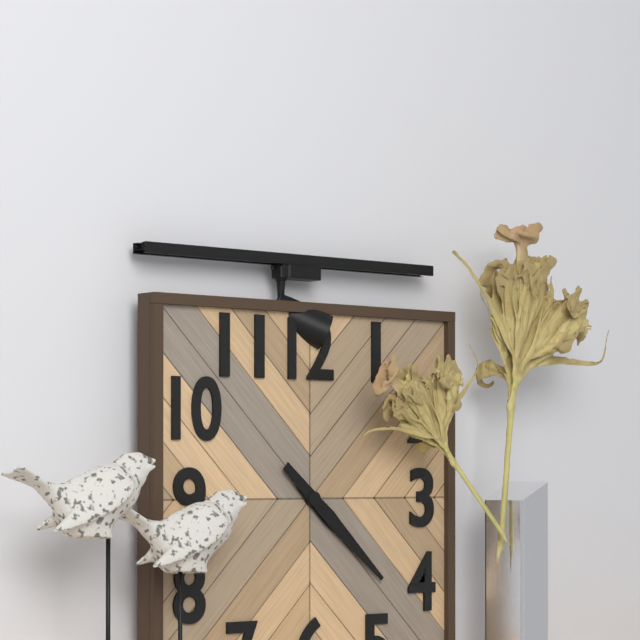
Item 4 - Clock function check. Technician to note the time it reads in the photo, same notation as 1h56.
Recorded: 4h22
